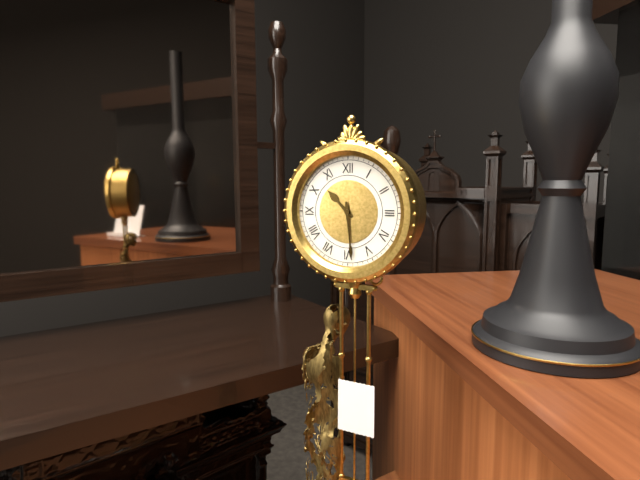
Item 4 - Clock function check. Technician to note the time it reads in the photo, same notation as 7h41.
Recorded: 10h29
